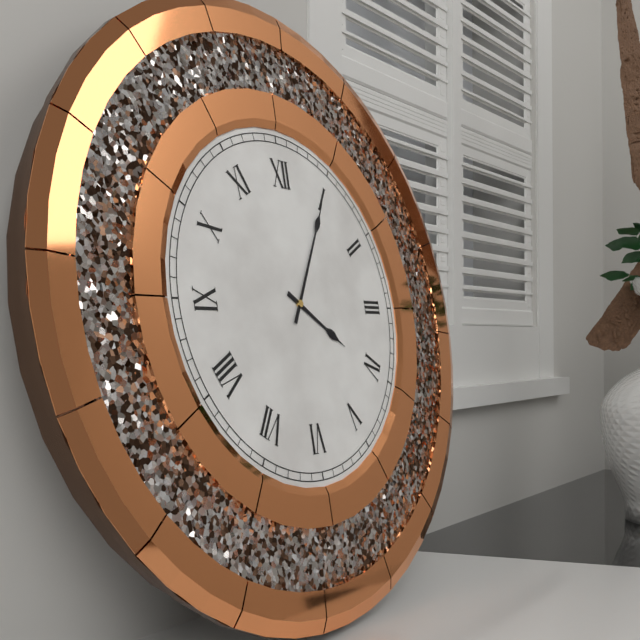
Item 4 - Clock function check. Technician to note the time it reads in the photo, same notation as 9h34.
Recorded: 4h05
